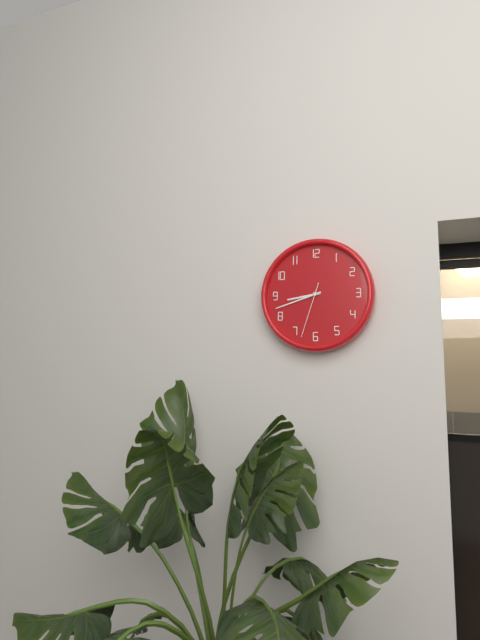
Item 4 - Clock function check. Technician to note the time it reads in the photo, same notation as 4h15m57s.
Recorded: 8h42m33s
